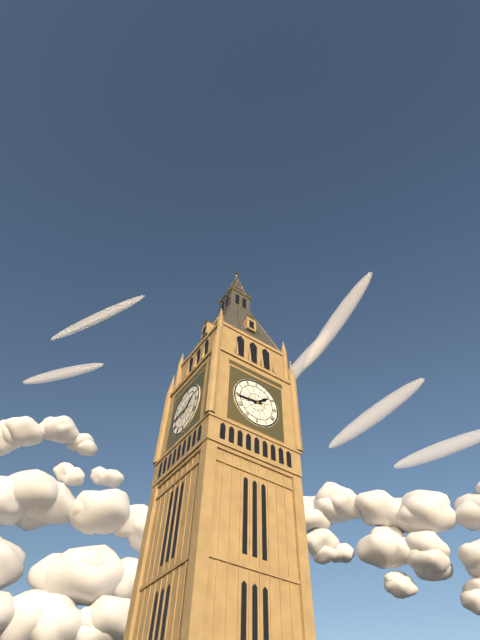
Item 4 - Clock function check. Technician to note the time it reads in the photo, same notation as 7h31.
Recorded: 1h44
